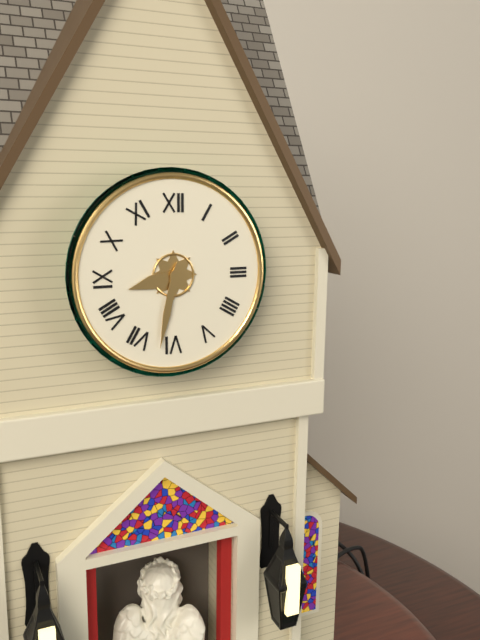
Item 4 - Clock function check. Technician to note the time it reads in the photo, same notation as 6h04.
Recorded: 8h32
